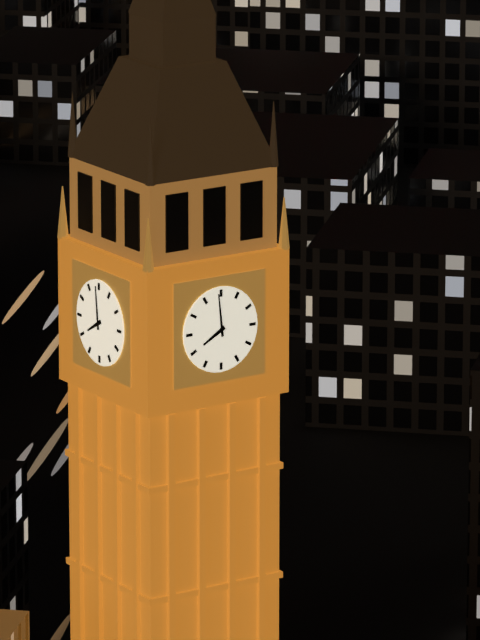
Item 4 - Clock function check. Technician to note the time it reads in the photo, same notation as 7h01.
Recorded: 7h59
